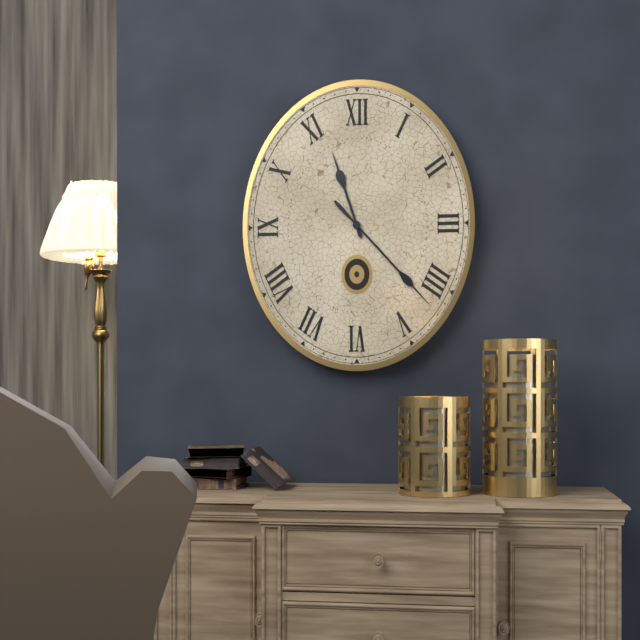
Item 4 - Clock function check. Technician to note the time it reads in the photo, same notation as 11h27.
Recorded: 11h23
